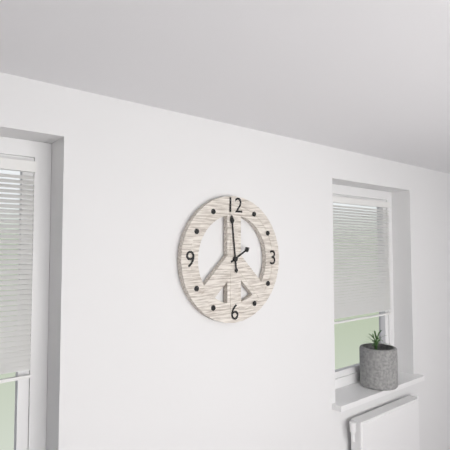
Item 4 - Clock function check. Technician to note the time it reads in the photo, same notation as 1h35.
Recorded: 1h59
